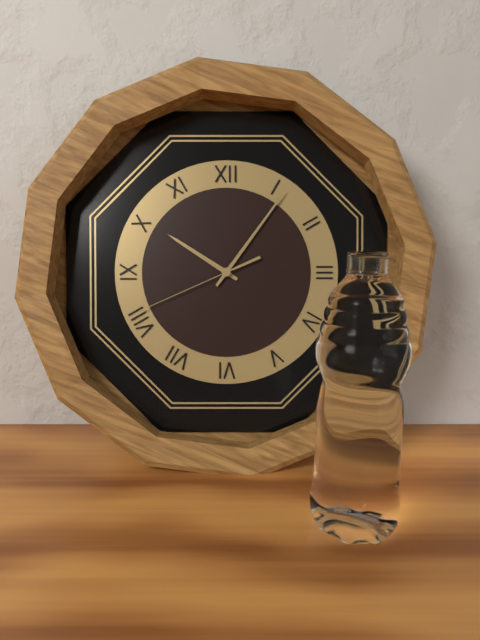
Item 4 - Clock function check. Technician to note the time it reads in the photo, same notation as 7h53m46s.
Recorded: 10h06m41s
